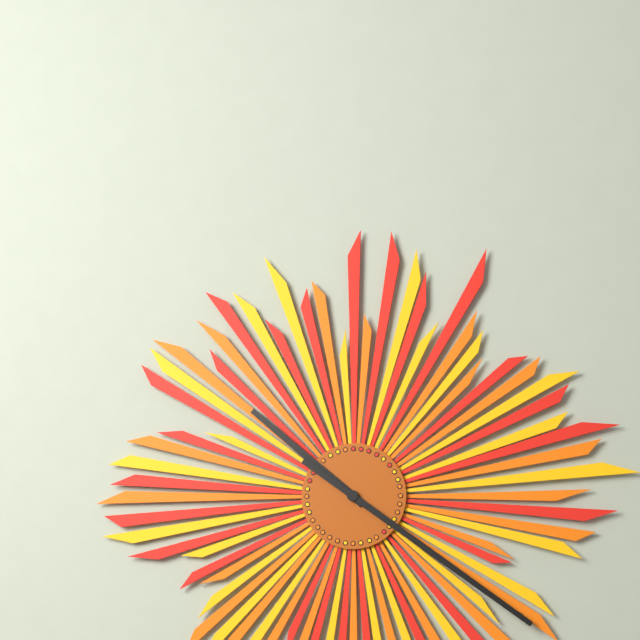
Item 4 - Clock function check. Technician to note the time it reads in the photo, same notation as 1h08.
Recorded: 10h21
